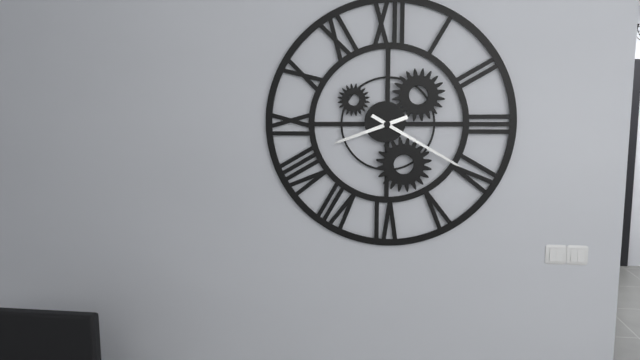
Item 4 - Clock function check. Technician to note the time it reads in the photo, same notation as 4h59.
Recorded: 8h20
